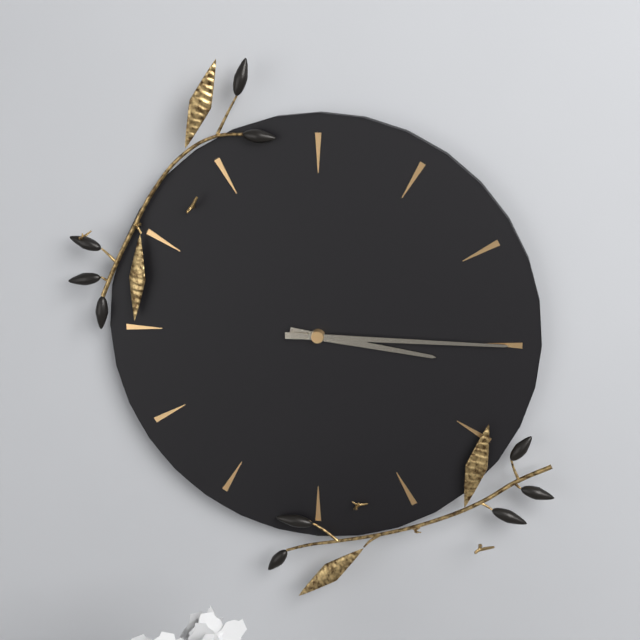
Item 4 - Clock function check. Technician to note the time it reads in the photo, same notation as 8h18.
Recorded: 3h15
